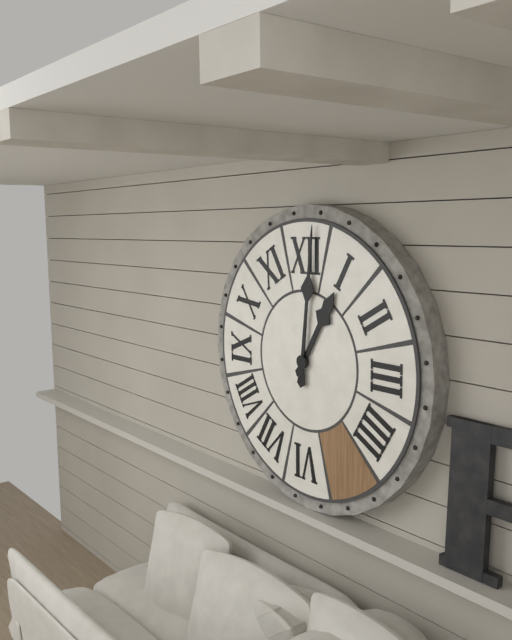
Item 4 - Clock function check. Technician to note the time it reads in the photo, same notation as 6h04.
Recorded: 1h01
